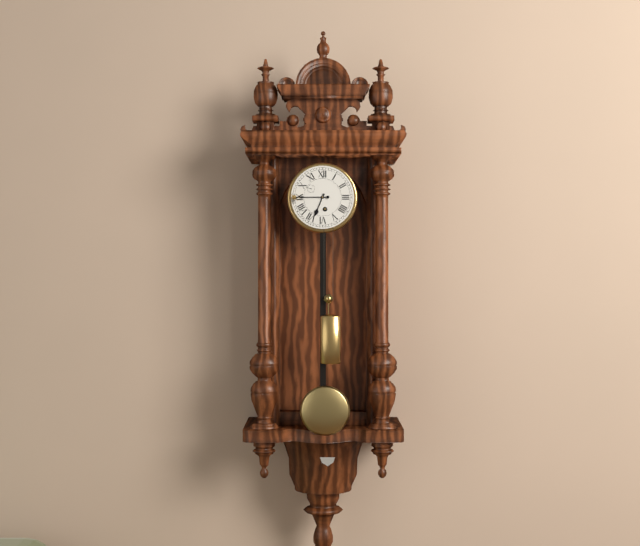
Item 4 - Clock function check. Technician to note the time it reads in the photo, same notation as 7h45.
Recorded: 6h45
